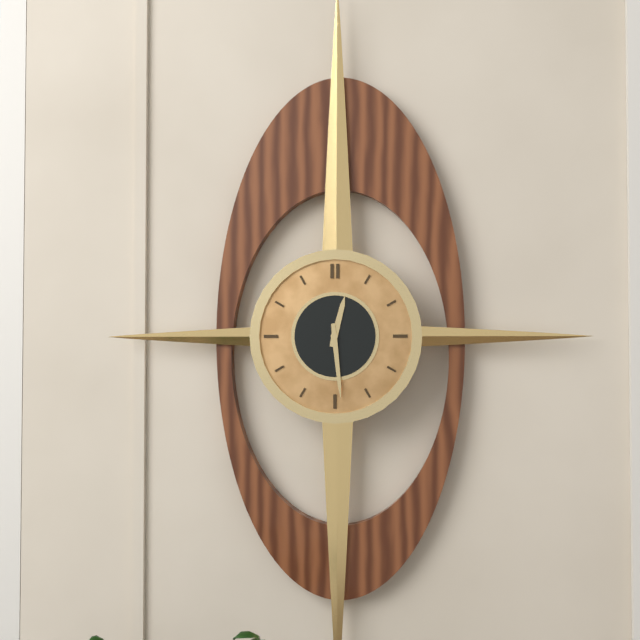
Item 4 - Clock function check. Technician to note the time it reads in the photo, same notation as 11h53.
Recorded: 12h29
